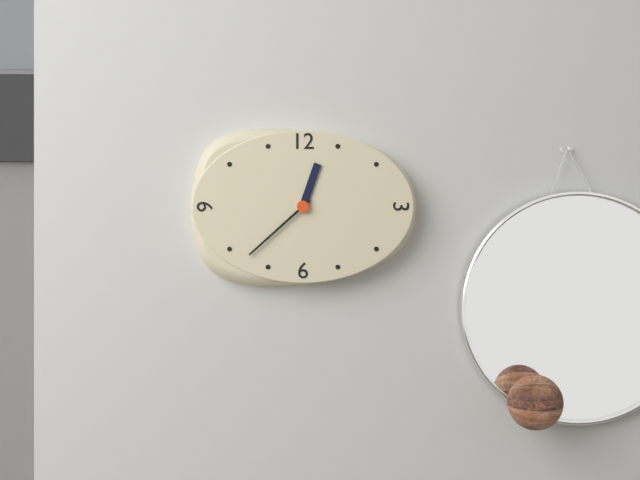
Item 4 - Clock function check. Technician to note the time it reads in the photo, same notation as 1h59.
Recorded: 12h38
